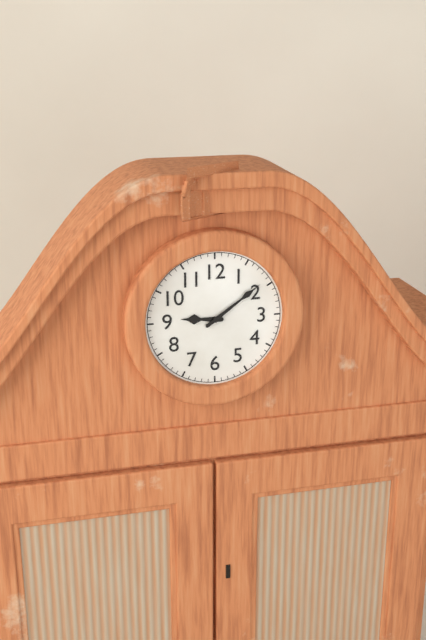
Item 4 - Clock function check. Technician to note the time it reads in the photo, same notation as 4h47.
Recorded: 9h09
